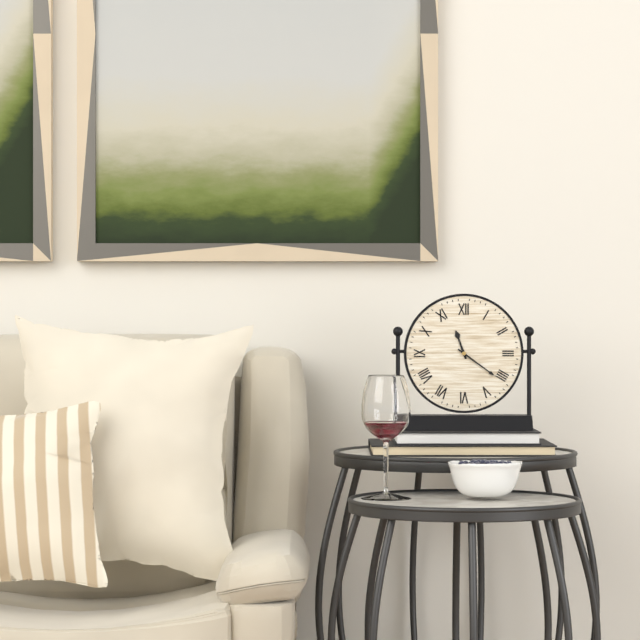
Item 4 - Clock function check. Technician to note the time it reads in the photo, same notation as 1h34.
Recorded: 11h21
